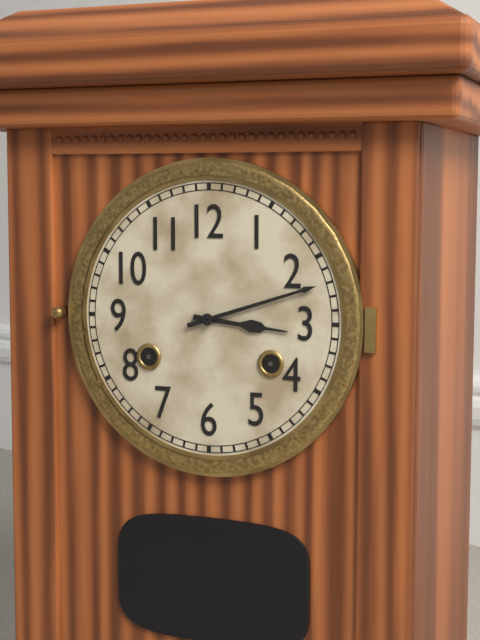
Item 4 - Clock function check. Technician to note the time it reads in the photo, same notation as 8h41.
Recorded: 3h12
